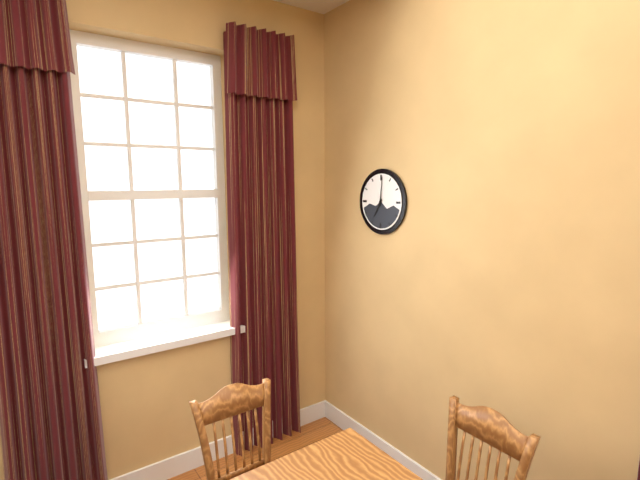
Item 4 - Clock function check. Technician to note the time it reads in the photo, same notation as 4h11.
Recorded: 7h01
